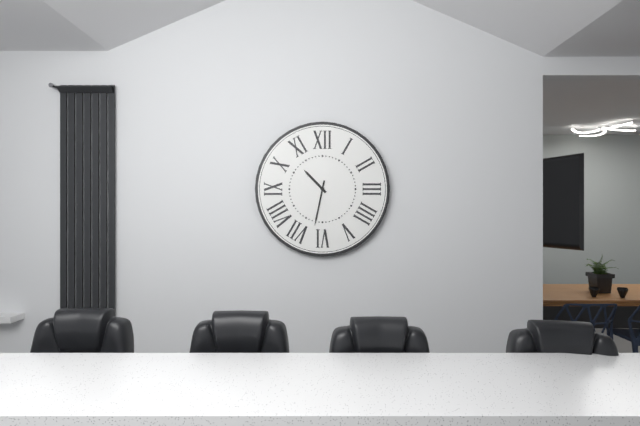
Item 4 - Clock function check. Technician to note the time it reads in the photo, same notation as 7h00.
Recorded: 10h32
